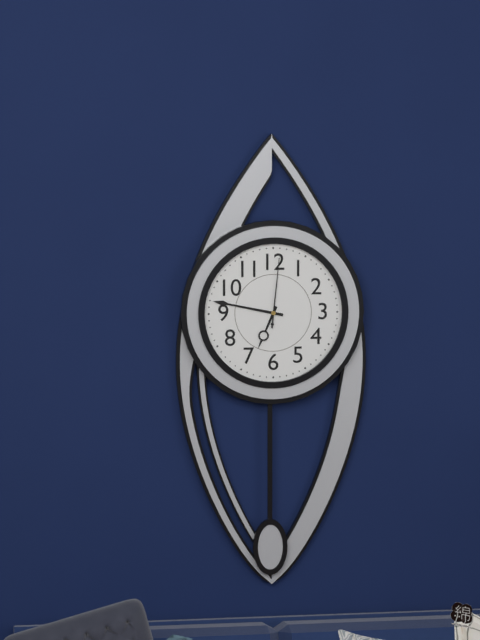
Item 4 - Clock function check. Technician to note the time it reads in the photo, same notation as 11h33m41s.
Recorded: 6h47m01s
